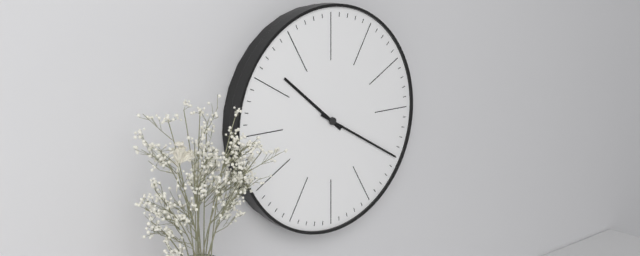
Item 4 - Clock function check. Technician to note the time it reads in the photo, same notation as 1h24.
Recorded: 10h20
